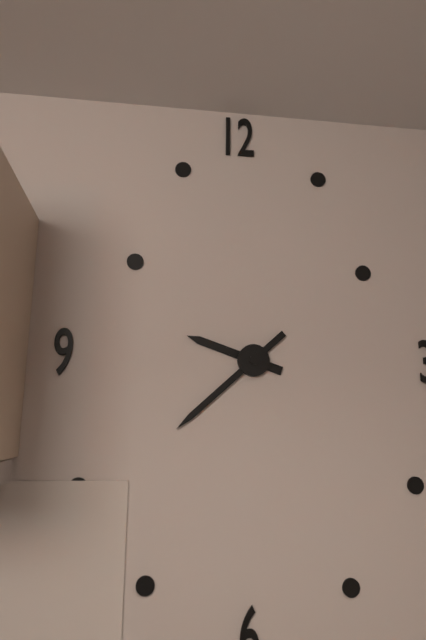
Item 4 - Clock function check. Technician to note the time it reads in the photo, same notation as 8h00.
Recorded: 9h38
